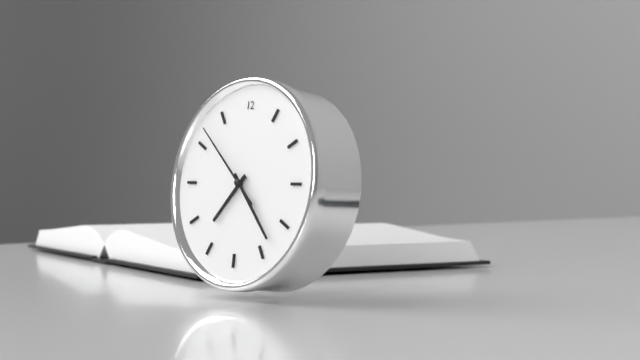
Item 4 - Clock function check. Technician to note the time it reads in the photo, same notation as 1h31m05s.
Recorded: 7h23m52s
